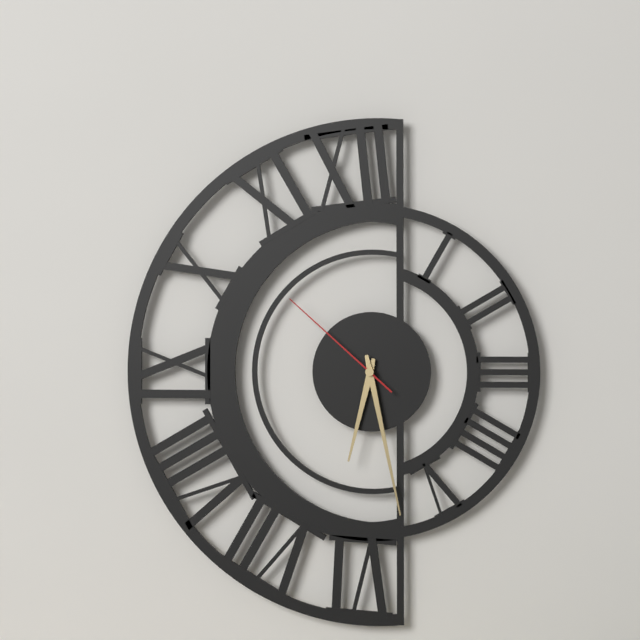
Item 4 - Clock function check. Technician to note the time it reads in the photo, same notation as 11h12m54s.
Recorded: 6h28m52s
